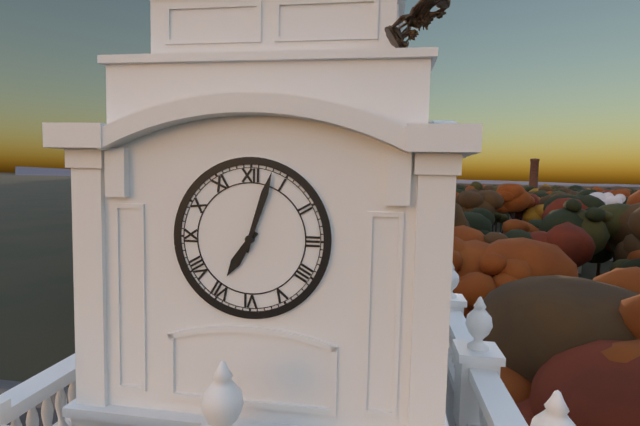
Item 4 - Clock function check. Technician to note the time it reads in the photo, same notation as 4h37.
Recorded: 7h03
